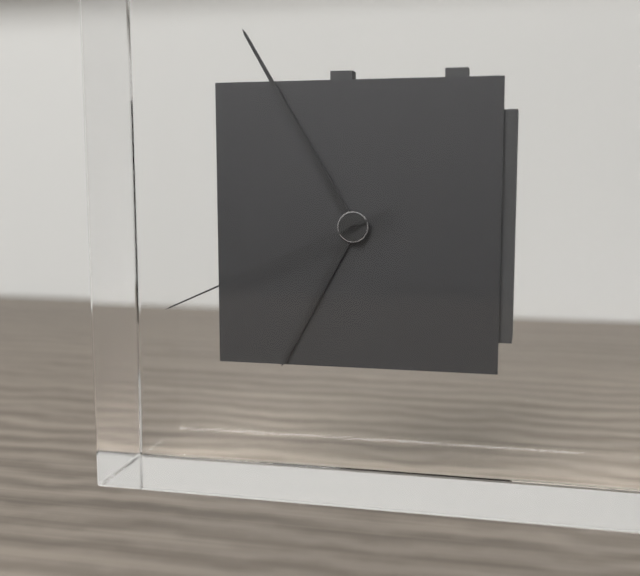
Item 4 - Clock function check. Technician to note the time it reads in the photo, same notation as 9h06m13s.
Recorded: 6h55m41s
